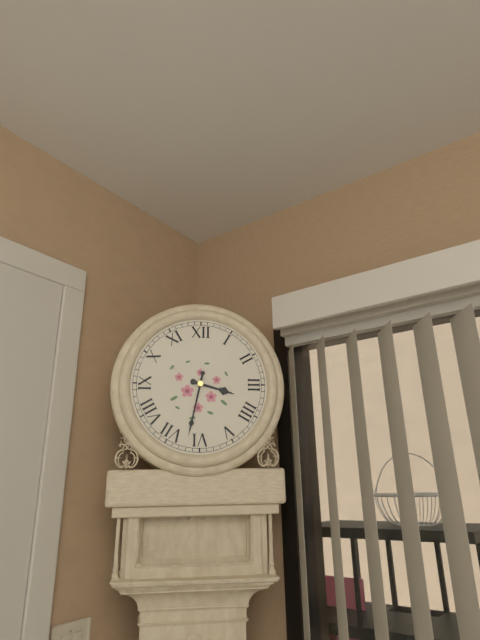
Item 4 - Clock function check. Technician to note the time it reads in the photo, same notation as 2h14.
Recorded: 3h32
